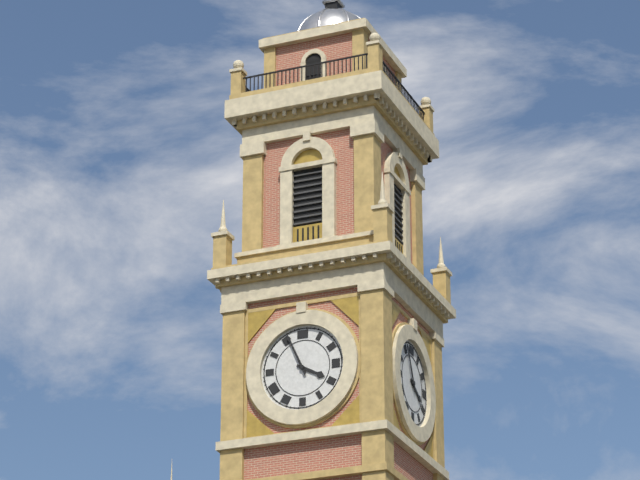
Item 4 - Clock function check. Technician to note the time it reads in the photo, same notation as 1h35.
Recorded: 3h56
